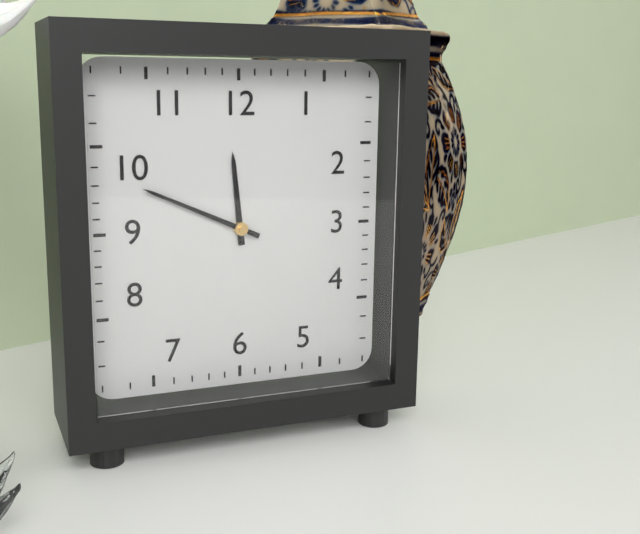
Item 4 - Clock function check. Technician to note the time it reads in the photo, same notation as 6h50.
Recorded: 11h49
